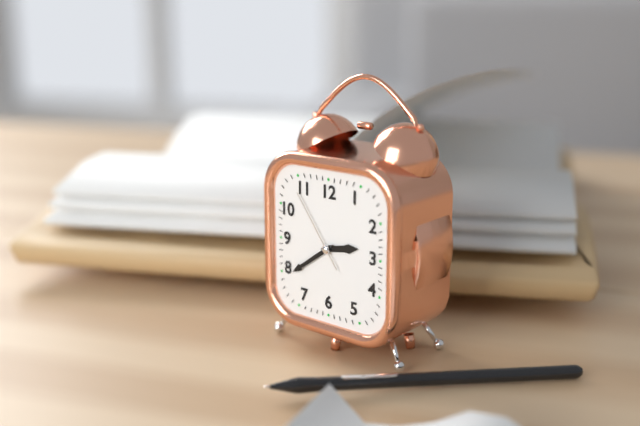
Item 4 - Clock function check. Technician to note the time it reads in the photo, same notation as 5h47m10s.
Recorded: 2h39m54s
